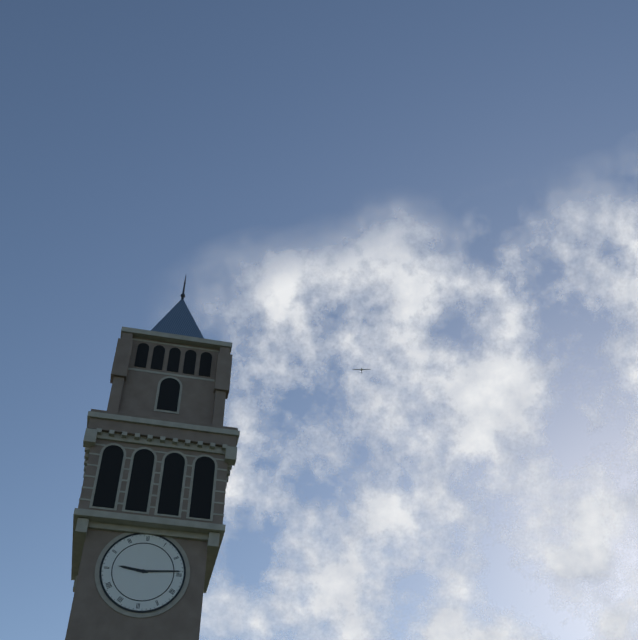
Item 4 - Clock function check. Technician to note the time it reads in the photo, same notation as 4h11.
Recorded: 9h14
